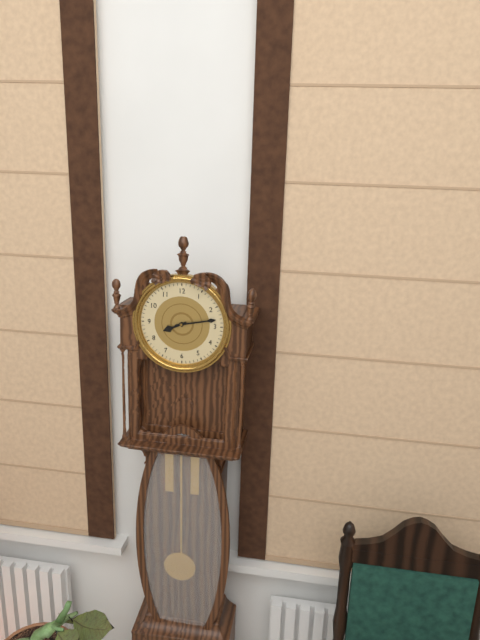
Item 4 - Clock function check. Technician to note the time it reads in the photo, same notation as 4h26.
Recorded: 8h13
